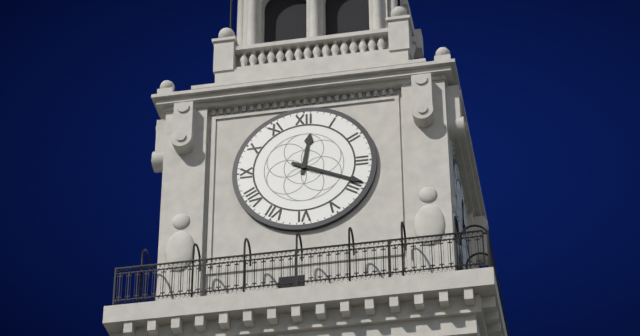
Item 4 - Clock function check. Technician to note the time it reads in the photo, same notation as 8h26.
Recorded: 12h19
